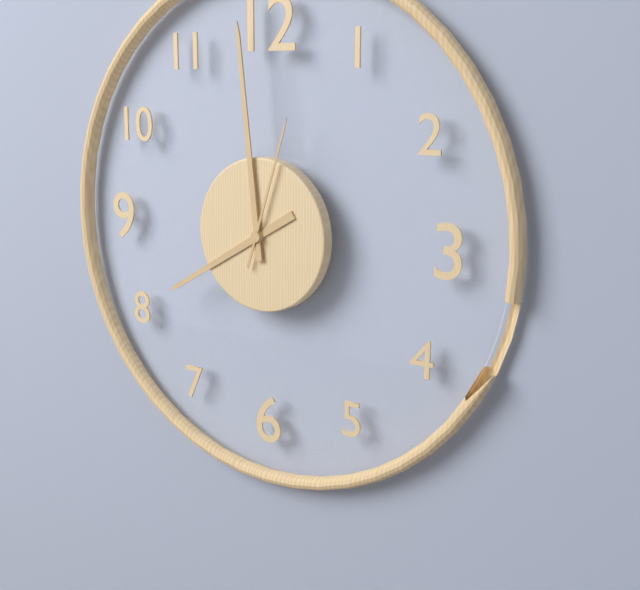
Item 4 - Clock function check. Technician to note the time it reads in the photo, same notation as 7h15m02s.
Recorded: 7h59m03s
